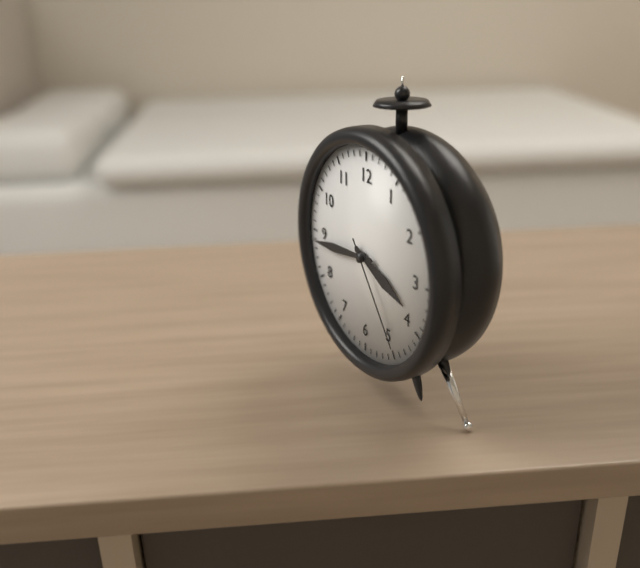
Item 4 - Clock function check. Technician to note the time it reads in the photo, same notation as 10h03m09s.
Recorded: 3h44m24s
